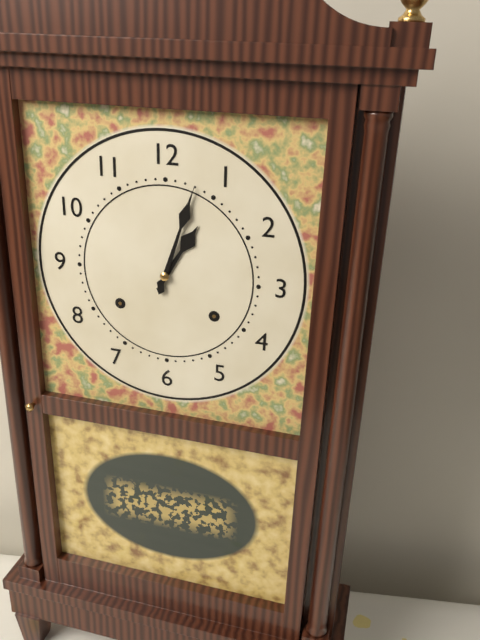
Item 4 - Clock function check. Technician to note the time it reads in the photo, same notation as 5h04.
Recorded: 1h03
